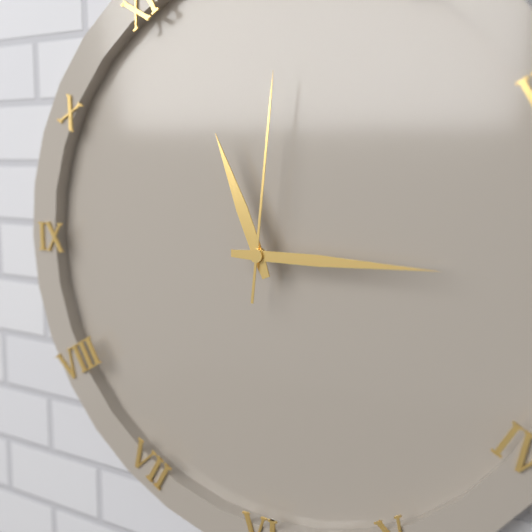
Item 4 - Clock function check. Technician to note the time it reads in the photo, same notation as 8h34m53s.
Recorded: 11h15m01s
